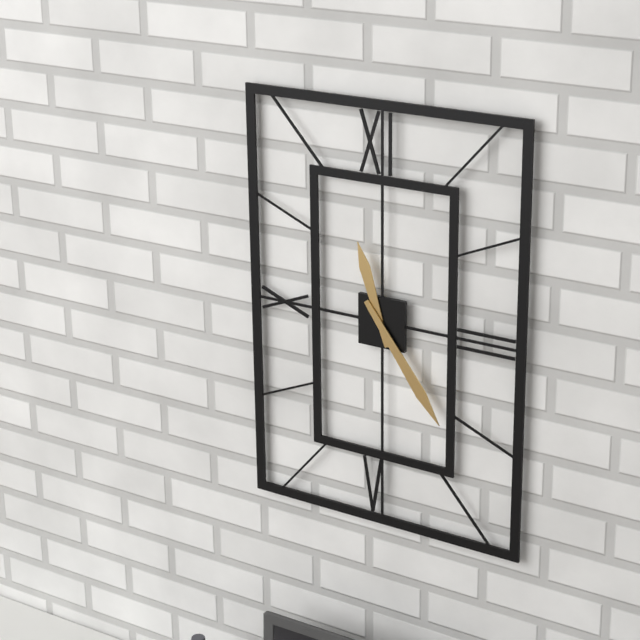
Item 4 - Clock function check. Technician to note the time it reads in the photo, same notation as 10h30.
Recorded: 11h24
